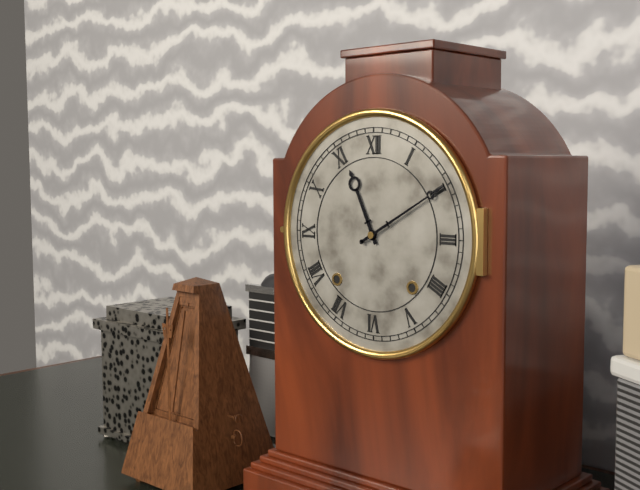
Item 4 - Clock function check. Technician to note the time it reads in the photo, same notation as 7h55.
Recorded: 11h10
